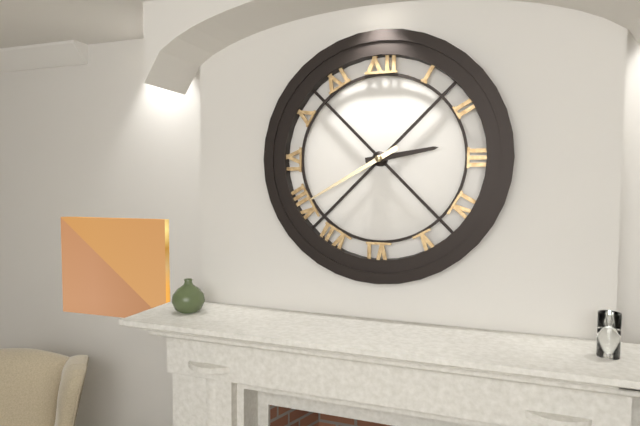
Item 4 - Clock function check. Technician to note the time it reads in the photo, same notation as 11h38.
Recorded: 2h40
